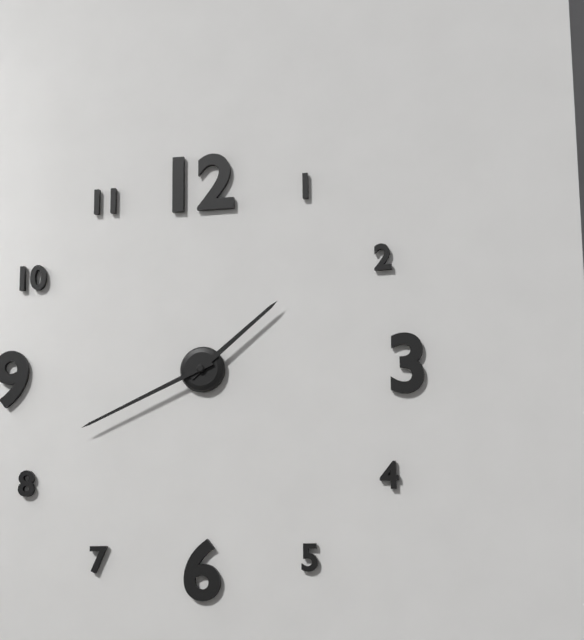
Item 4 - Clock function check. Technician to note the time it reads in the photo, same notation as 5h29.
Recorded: 1h41
